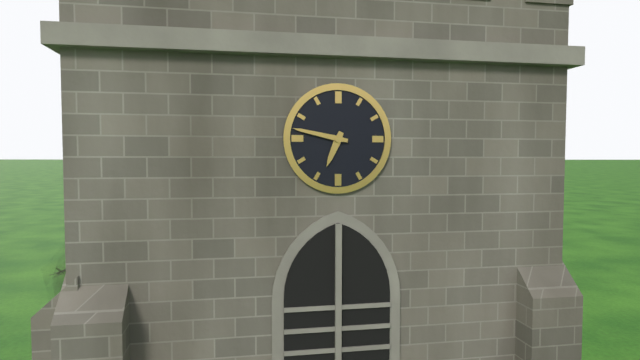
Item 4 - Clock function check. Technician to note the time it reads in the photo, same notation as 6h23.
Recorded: 6h47
